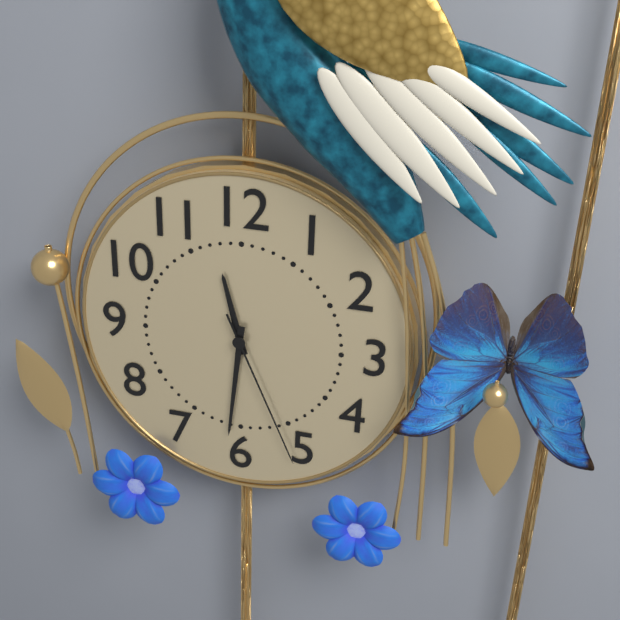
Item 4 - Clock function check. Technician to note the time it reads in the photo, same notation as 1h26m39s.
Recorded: 11h31m26s
